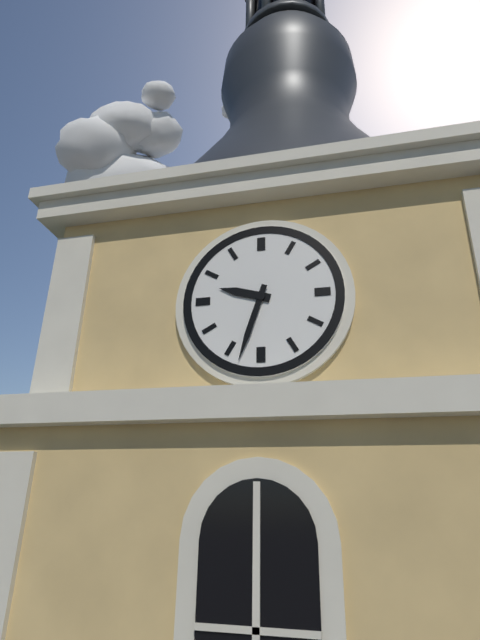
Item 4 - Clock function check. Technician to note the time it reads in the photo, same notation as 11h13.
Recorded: 9h33
